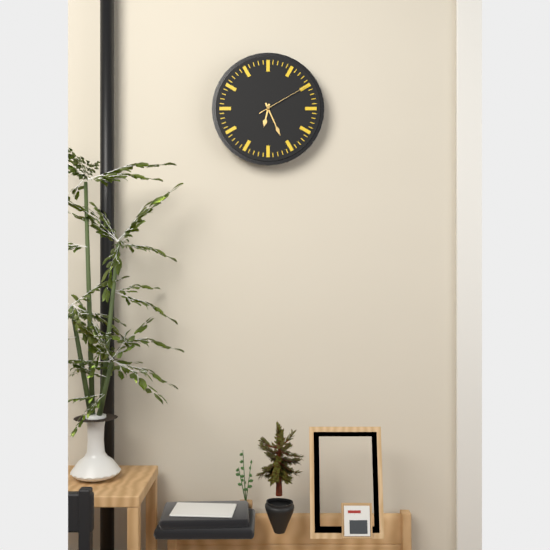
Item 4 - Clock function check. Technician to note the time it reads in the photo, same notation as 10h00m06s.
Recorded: 6h26m10s
